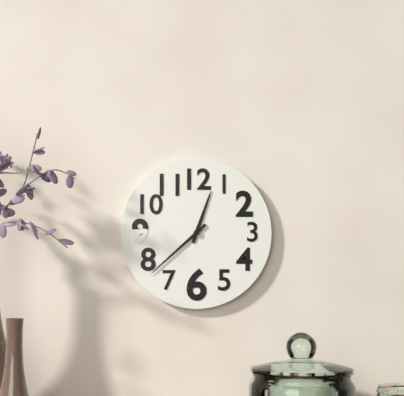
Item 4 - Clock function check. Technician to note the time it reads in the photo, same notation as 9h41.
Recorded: 12h38
